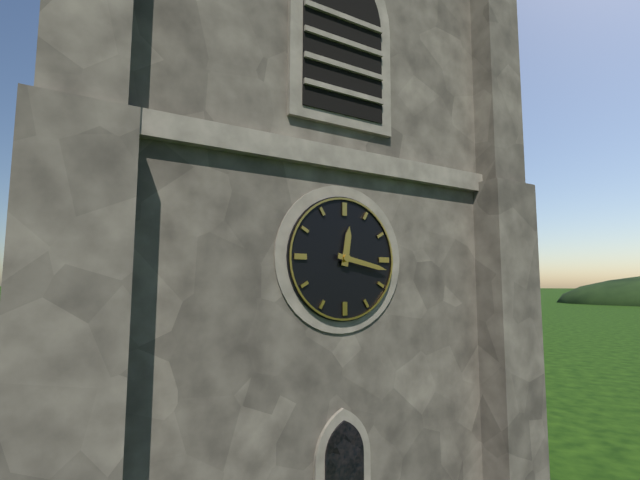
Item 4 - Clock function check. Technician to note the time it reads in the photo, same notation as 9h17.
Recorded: 12h17
